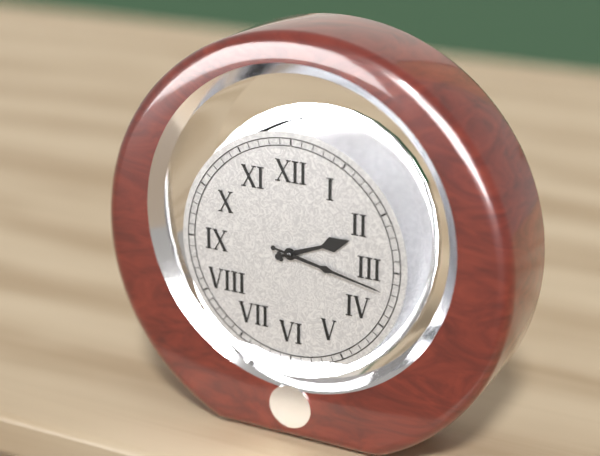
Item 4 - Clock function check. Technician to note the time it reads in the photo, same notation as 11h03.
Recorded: 2h17
